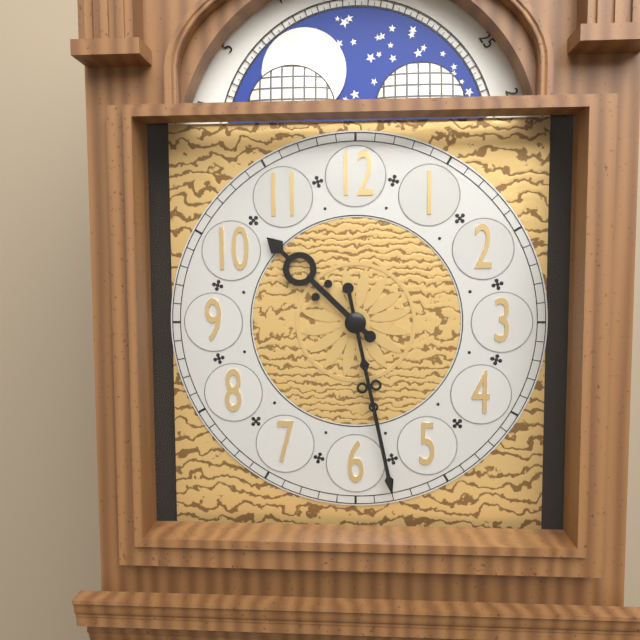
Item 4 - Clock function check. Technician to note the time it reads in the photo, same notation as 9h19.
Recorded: 10h28
